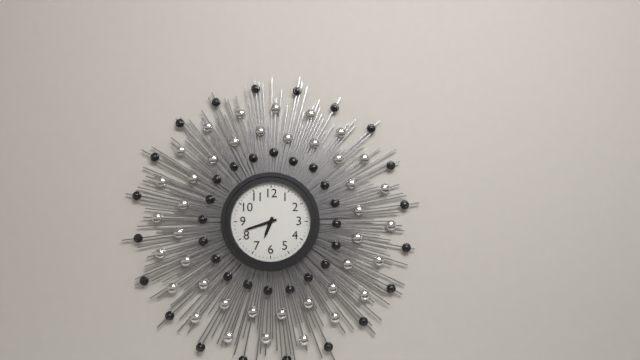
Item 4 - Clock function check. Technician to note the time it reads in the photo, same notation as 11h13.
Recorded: 6h42
